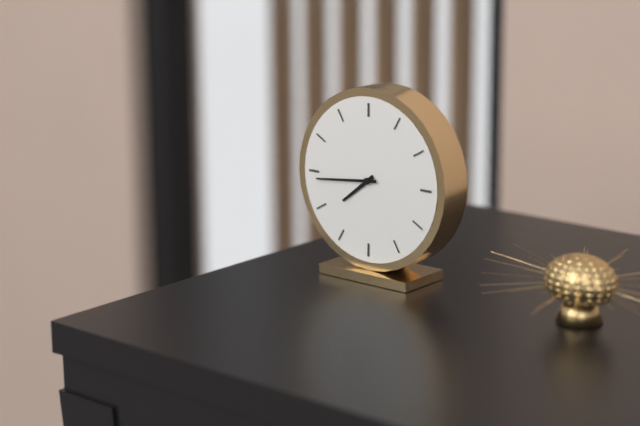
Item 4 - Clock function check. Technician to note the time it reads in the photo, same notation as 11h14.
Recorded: 7h44
